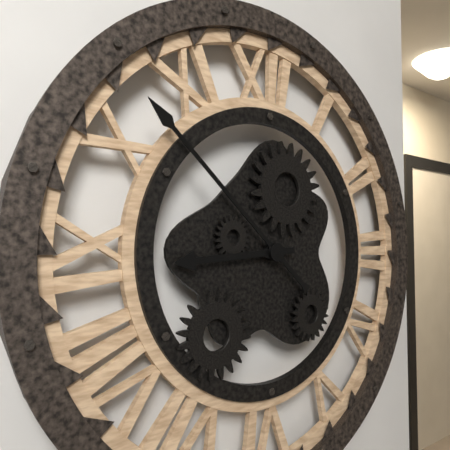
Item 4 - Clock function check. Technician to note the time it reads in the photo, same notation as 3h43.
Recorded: 8h52
